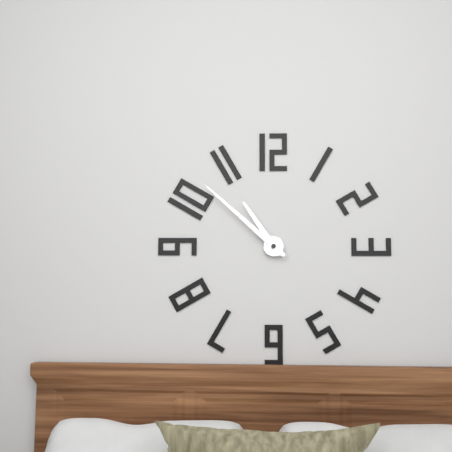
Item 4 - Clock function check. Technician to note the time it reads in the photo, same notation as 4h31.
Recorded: 10h52
